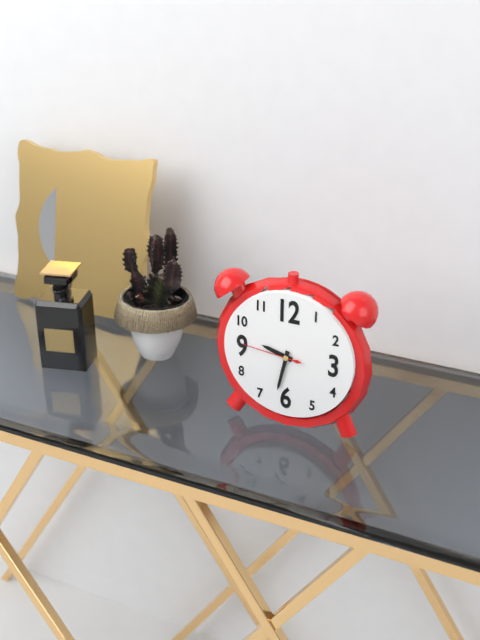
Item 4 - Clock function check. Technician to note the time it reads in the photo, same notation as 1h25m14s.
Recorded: 9h32m46s
